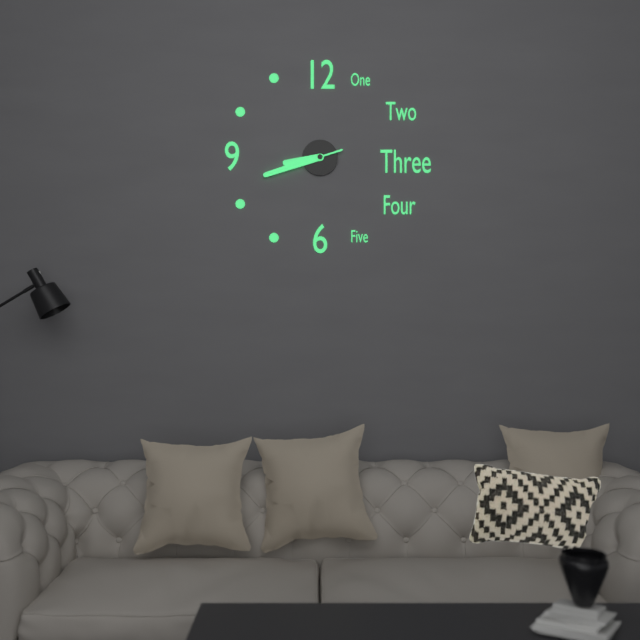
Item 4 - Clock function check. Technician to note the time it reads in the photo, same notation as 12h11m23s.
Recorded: 8h42m42s
